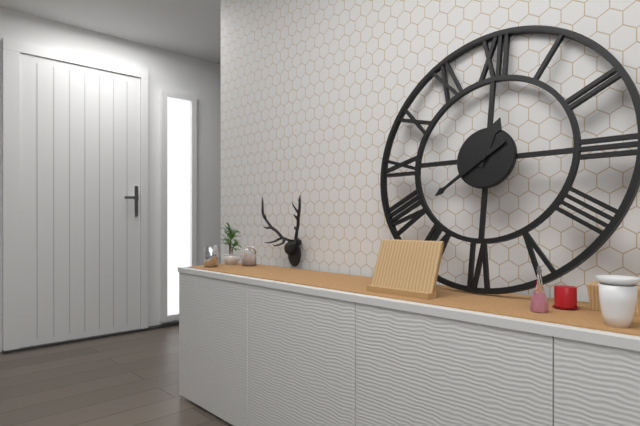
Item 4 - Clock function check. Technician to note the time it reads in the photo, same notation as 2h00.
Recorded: 12h39
